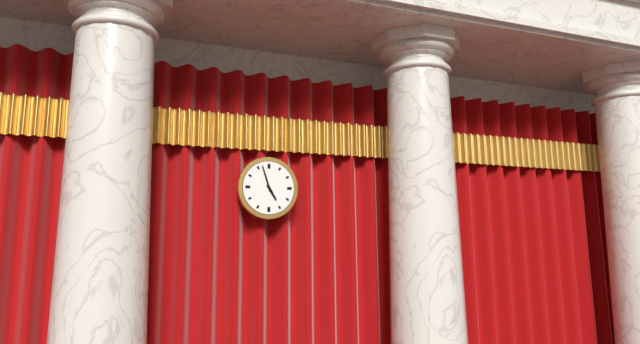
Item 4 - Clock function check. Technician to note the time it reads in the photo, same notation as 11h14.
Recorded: 4h57
